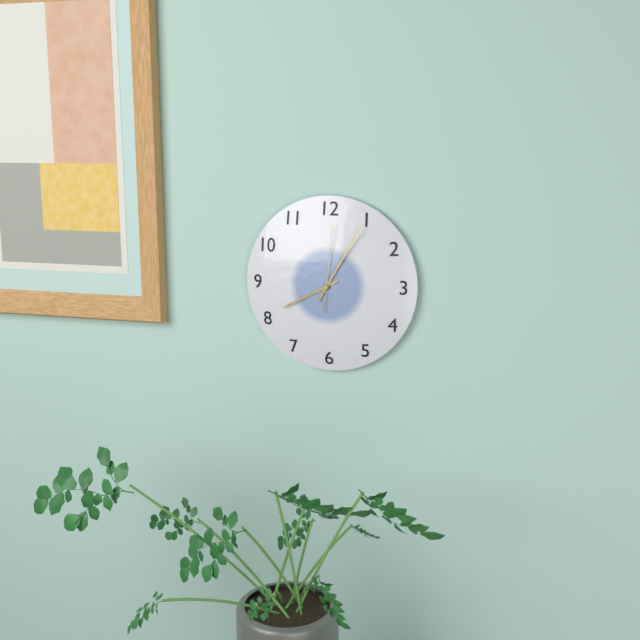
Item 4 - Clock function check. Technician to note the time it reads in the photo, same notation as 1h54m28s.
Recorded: 8h05m01s
